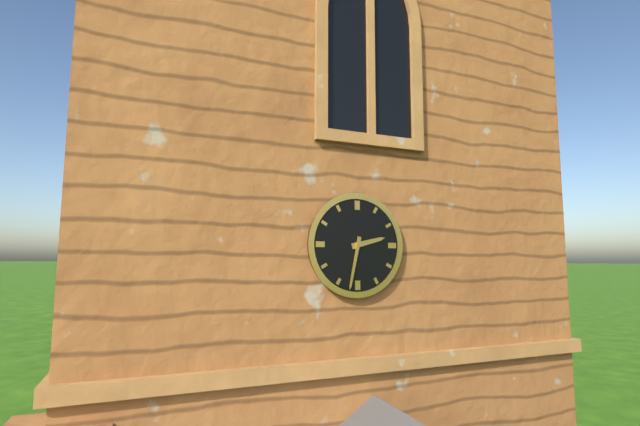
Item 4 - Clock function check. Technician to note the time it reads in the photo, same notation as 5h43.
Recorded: 2h32
